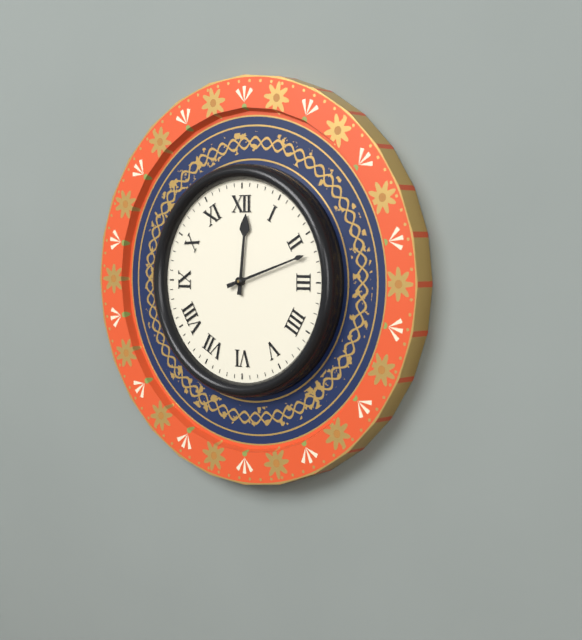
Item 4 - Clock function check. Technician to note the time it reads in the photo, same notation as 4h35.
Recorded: 12h12
